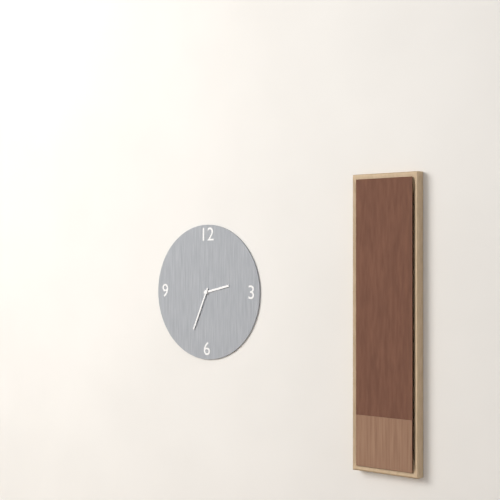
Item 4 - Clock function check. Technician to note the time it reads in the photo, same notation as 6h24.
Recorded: 2h34
